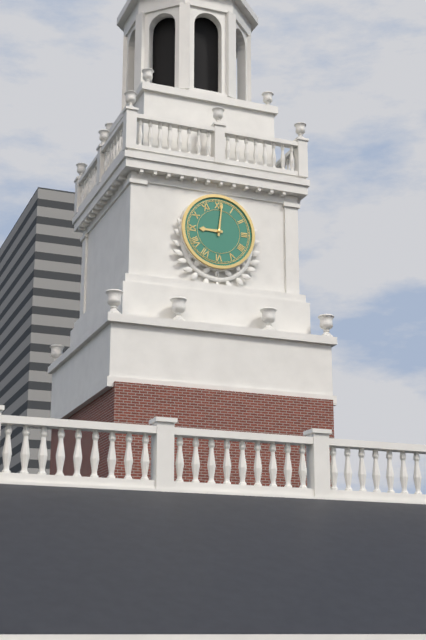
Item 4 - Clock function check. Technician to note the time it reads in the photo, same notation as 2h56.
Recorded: 9h01
